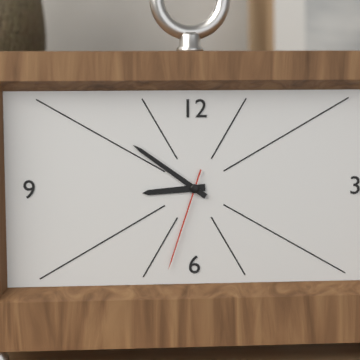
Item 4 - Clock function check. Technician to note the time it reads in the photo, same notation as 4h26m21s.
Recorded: 8h51m33s
